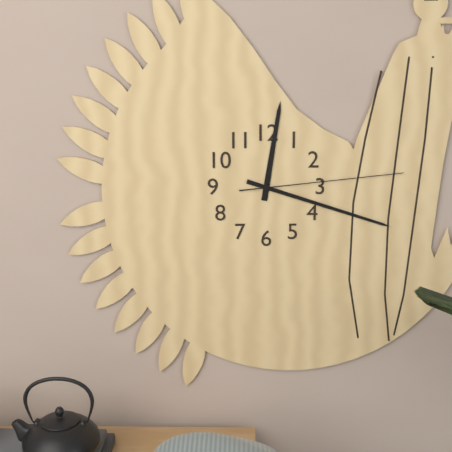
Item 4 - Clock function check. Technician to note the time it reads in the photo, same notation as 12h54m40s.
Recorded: 12h18m14s
